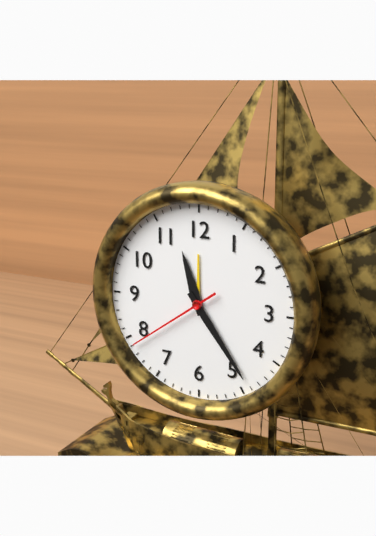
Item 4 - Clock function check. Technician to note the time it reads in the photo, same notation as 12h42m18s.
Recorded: 11h24m39s
